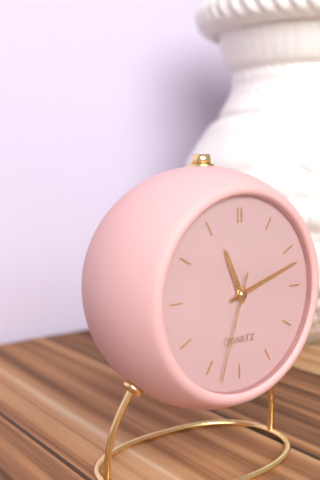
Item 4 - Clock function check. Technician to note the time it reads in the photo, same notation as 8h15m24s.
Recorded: 11h12m33s
